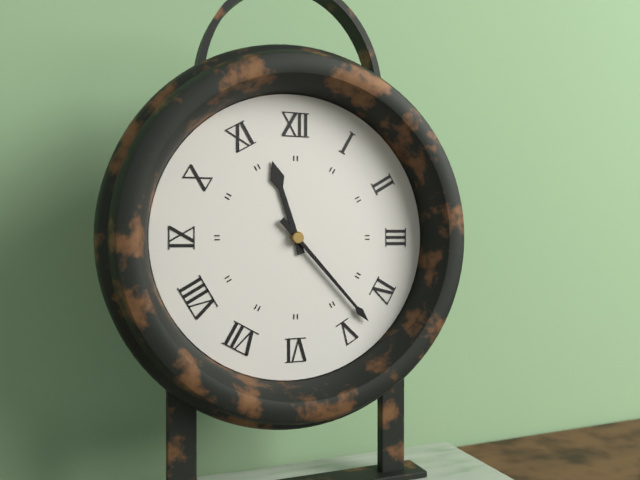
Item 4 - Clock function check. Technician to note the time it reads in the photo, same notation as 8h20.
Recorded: 11h23
